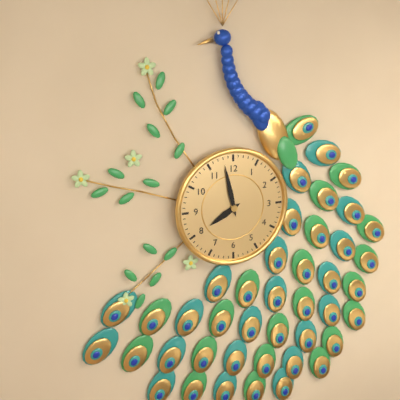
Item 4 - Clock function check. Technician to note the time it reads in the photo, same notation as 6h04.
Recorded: 7h58
